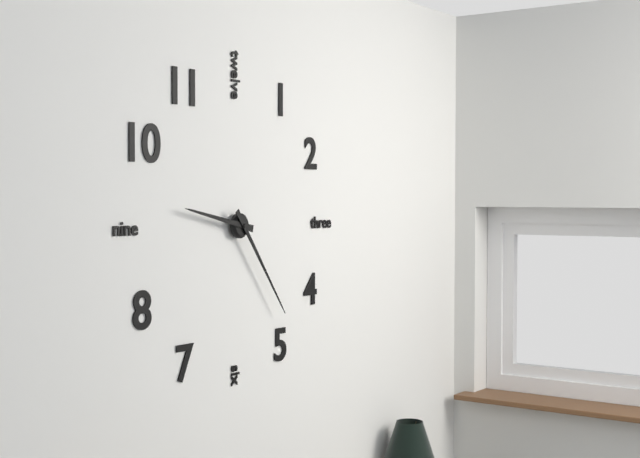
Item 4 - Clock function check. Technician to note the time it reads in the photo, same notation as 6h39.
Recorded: 9h24
